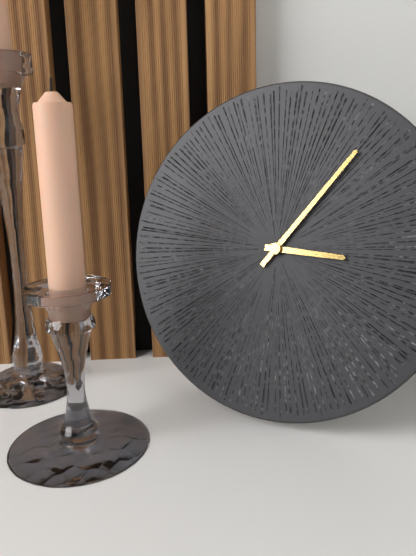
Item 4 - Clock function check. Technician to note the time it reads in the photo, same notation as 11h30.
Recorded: 3h06
